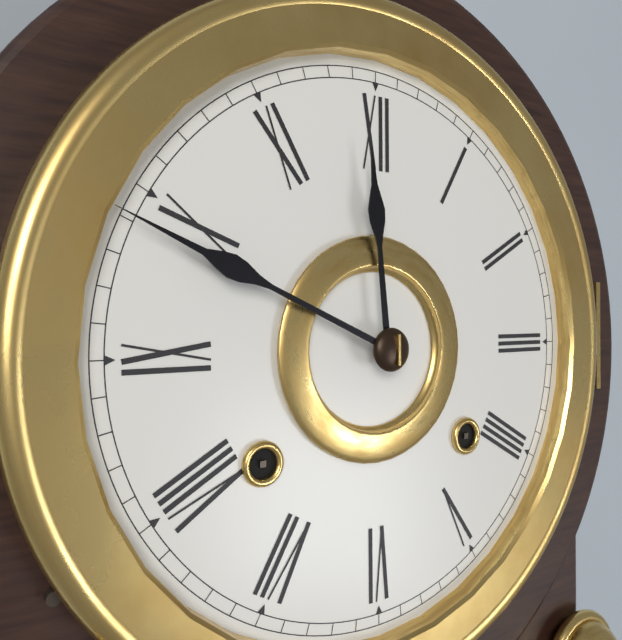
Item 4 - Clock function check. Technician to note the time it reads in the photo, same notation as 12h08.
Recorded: 11h49
